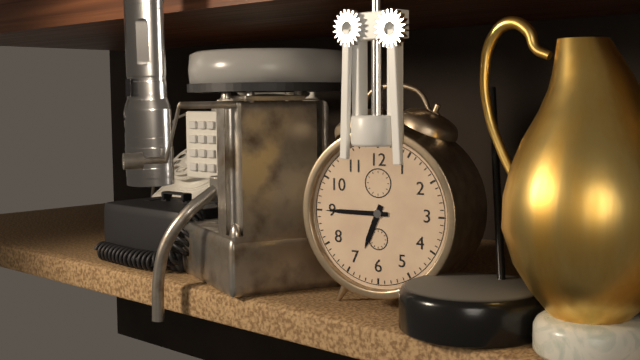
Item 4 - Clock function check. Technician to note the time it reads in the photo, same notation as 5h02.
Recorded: 6h45
